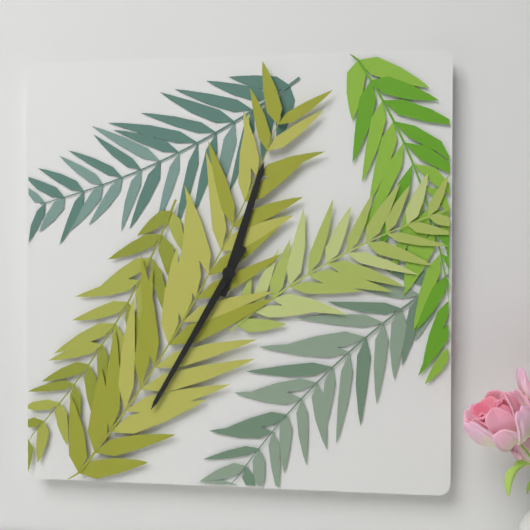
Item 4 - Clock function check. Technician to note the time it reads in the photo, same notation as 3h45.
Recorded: 12h35
